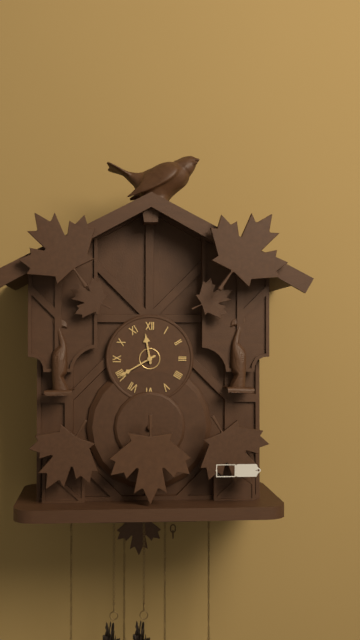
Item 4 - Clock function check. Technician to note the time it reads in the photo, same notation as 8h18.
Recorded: 11h40
